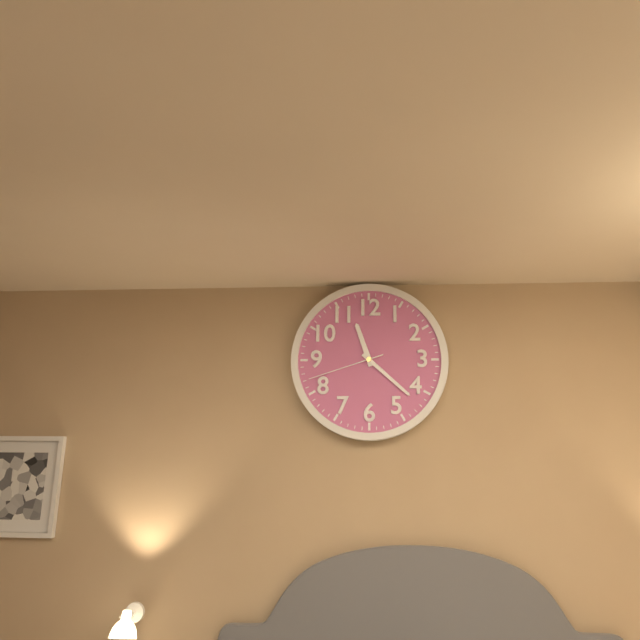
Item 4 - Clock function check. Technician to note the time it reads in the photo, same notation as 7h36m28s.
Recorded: 11h22m42s
